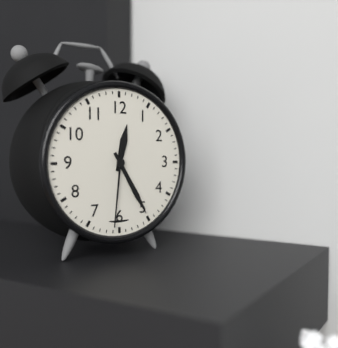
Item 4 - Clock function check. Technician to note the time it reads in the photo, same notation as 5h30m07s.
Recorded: 12h25m31s
